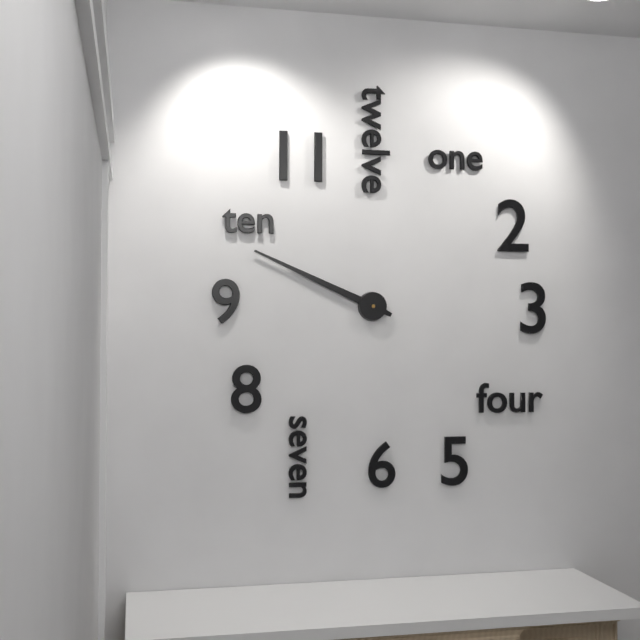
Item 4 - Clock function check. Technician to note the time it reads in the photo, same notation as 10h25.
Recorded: 9h49
